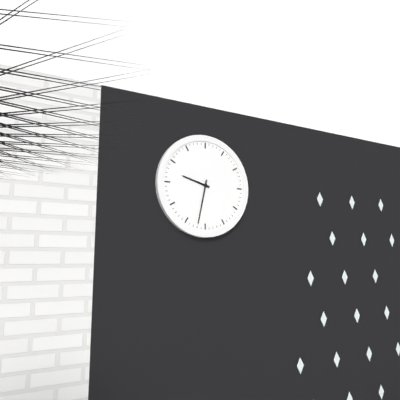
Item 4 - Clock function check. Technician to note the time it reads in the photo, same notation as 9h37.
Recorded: 9h32
